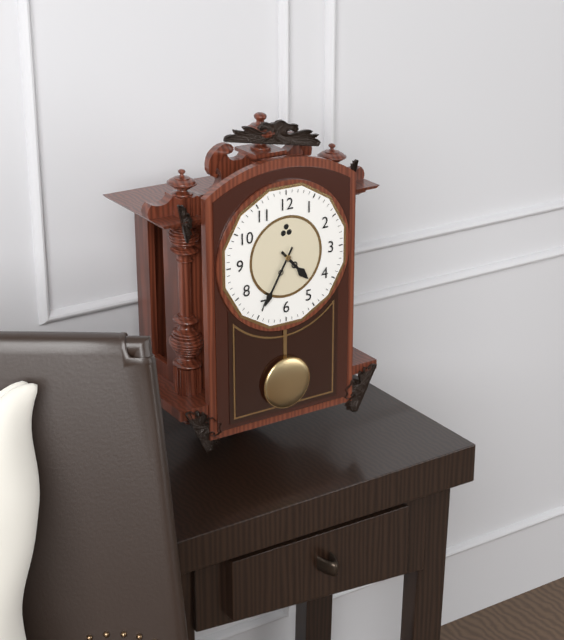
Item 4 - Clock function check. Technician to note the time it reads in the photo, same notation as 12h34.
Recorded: 4h35
